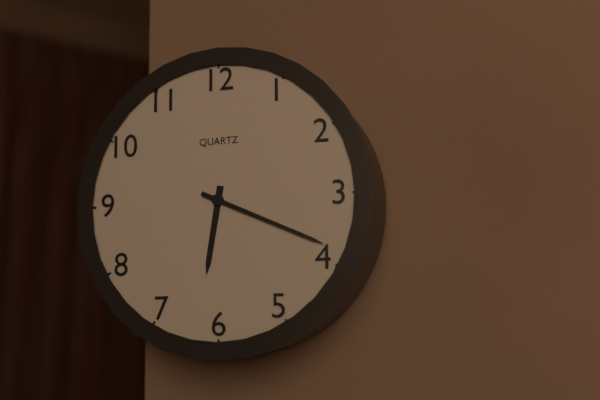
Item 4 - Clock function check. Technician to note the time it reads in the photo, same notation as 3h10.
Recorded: 6h19
